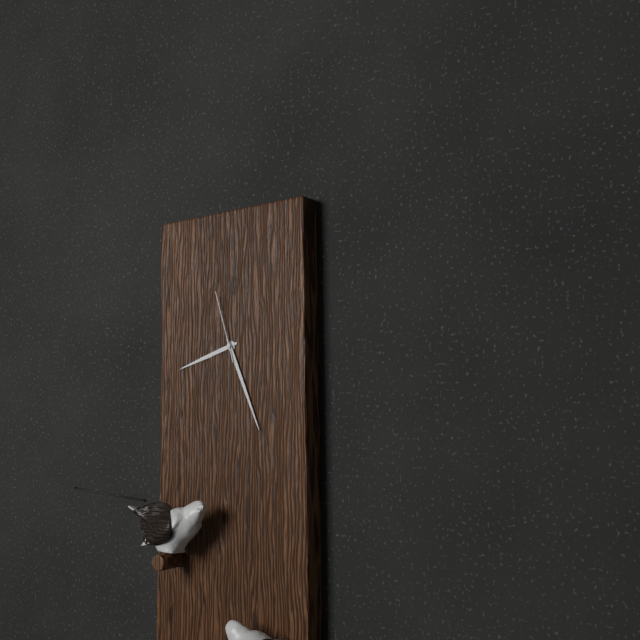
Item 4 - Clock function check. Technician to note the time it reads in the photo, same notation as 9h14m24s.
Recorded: 8h26m57s
